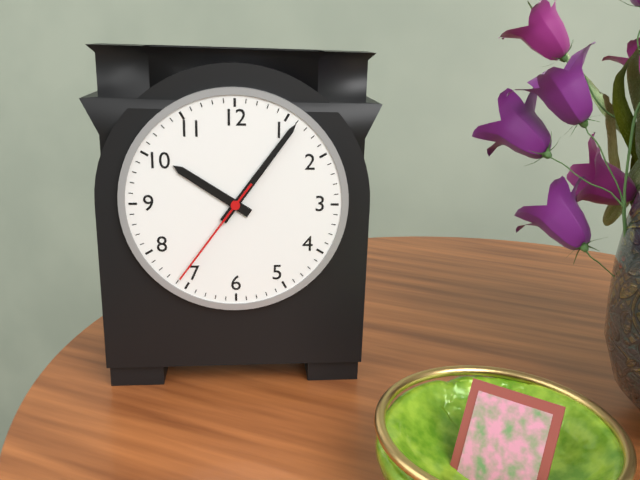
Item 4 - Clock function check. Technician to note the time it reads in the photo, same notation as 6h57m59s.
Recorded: 10h06m36s
